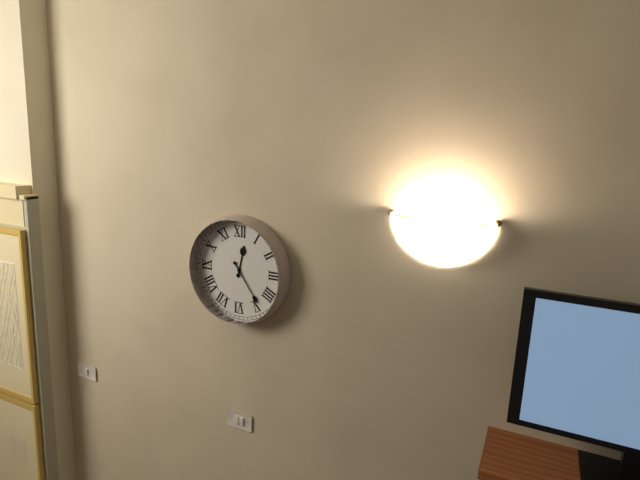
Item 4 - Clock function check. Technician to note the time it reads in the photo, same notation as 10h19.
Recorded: 12h24
